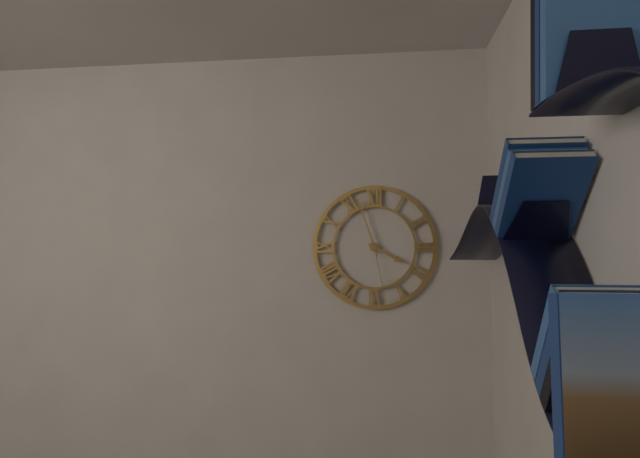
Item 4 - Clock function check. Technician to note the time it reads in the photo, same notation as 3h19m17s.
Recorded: 3h57m28s
